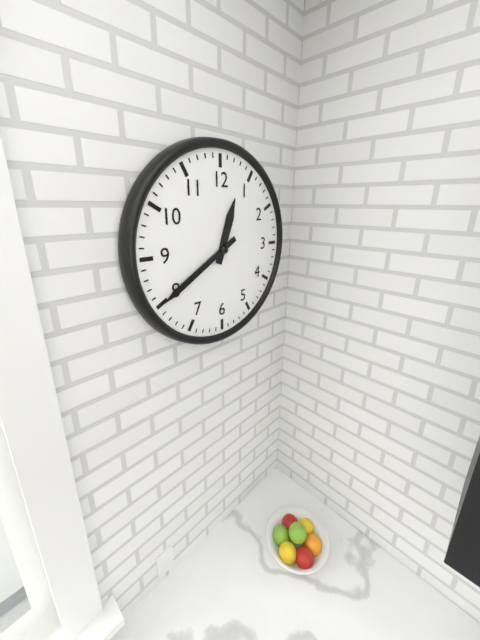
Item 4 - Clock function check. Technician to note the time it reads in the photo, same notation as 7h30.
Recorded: 12h40
